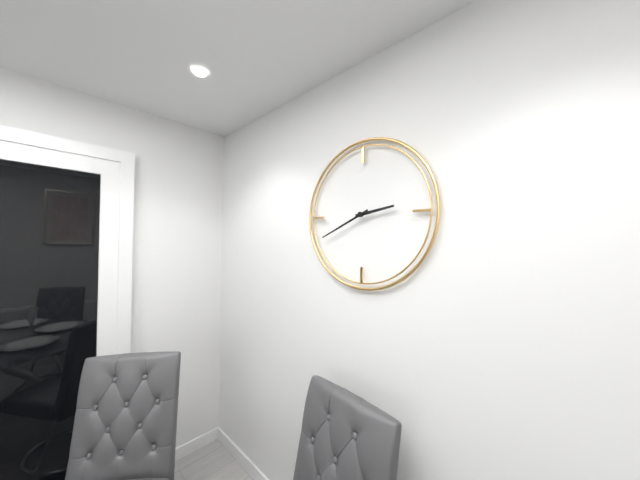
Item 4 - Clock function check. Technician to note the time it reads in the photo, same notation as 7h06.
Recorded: 2h41
